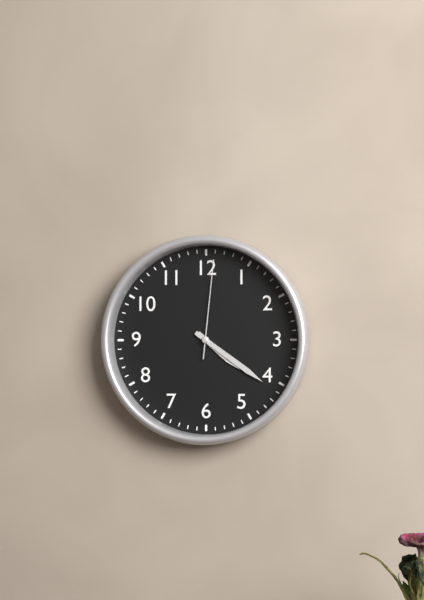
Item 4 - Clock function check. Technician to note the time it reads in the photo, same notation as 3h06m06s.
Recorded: 4h21m01s
